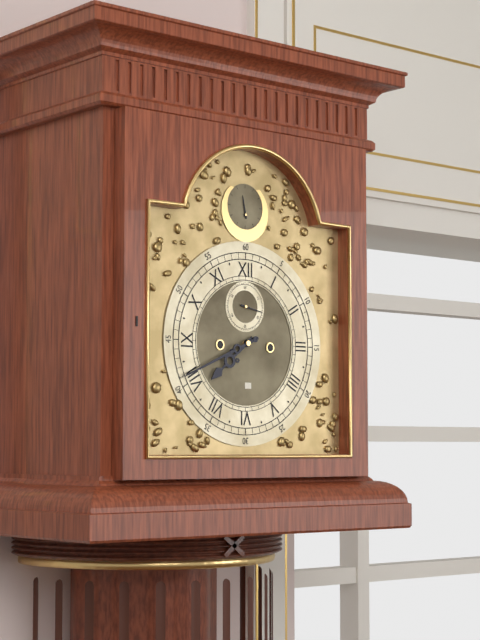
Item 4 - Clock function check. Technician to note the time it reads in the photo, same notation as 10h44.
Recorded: 7h41
